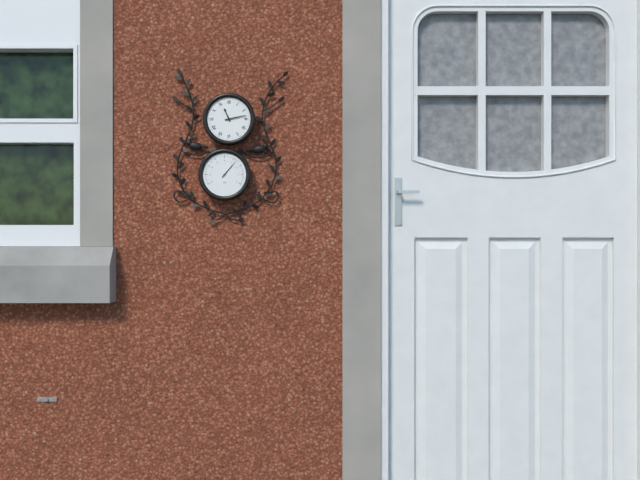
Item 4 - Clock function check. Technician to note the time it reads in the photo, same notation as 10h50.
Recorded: 11h13
